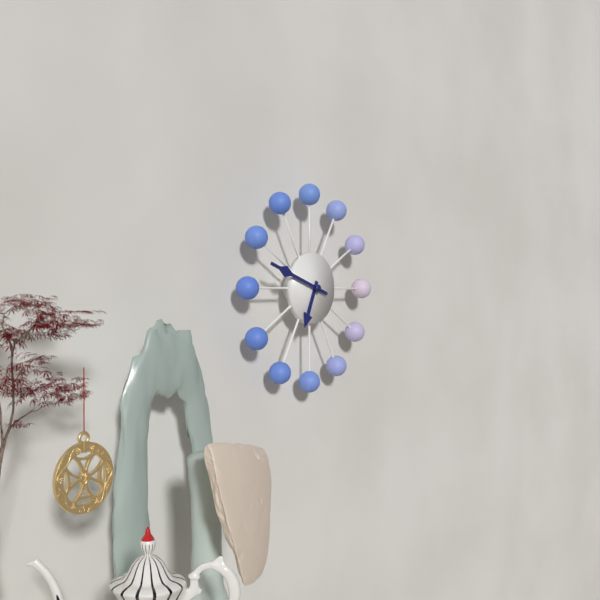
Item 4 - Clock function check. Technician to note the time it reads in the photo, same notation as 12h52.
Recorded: 6h48
